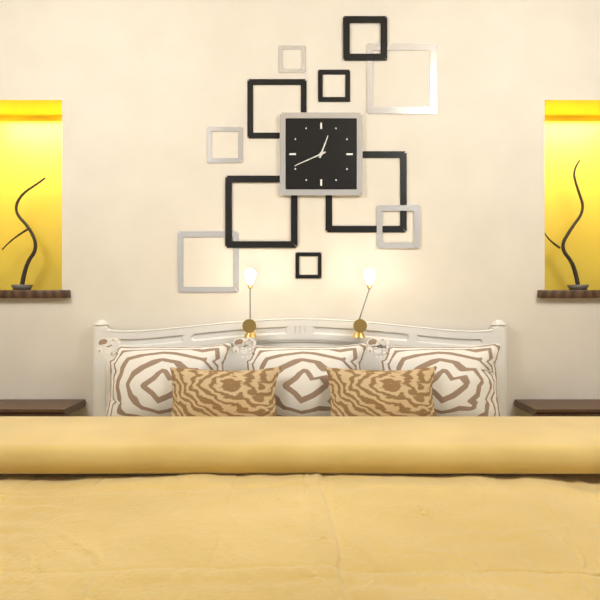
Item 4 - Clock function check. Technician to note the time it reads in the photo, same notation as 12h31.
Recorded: 12h41
